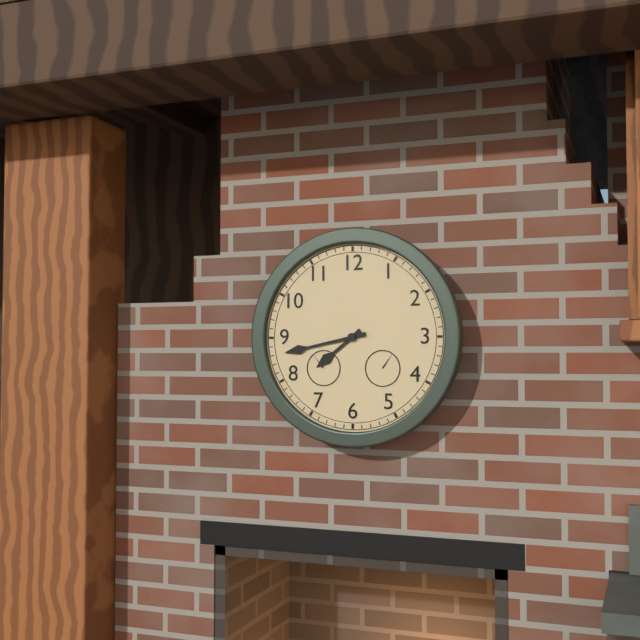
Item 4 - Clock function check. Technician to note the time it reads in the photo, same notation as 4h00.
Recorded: 7h43
